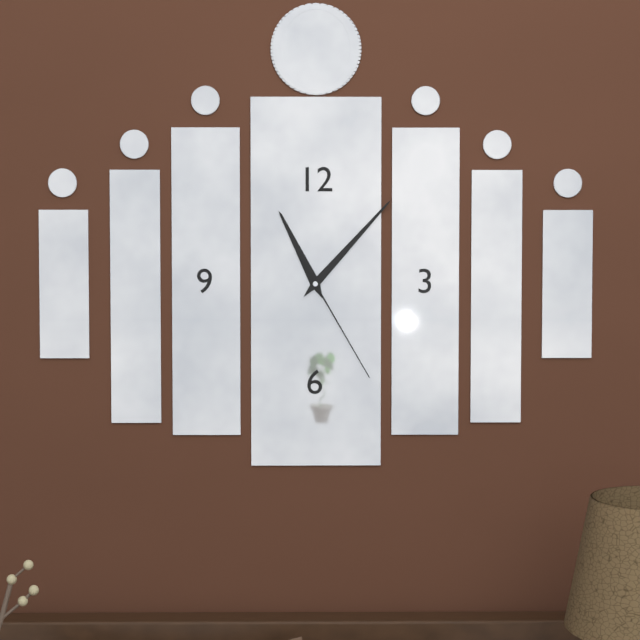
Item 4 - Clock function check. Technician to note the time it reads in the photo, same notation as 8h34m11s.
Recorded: 11h07m25s
